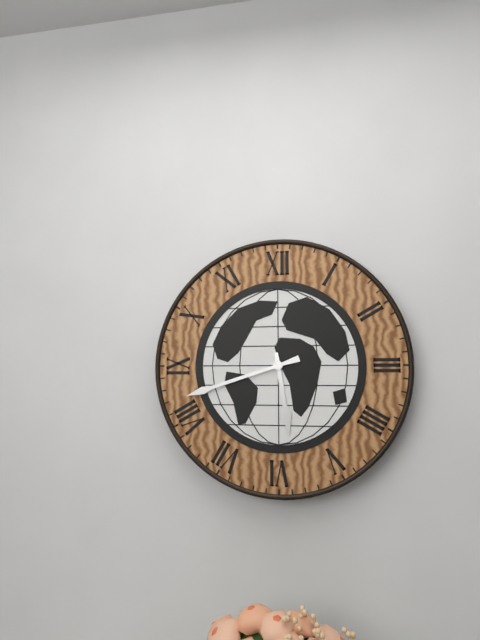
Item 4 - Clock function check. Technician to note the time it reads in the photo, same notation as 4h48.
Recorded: 5h42
